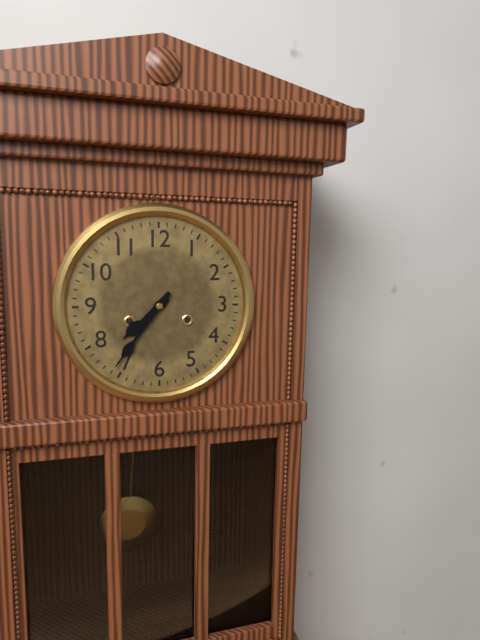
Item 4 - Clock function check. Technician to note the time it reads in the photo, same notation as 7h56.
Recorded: 7h36
